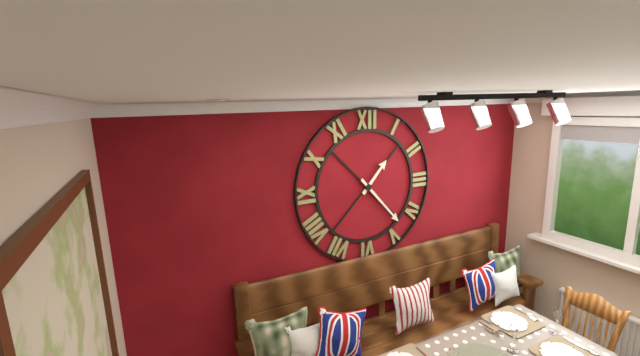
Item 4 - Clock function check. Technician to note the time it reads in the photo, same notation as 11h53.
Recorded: 1h23
